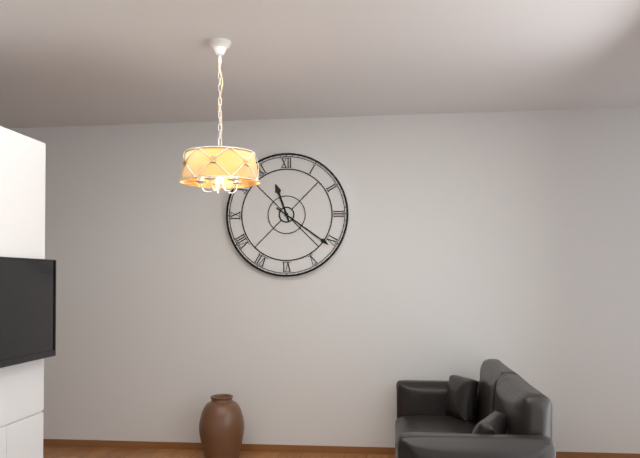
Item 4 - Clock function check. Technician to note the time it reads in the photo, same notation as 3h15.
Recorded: 11h21
